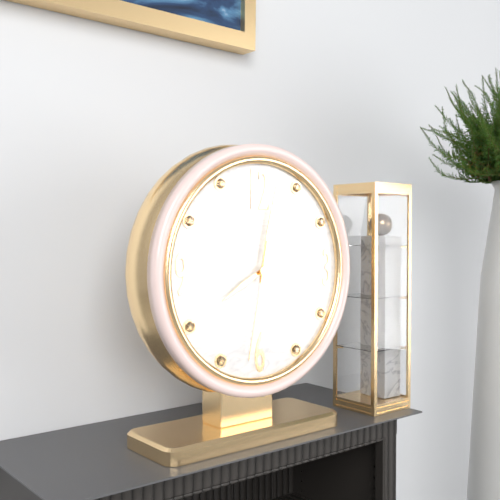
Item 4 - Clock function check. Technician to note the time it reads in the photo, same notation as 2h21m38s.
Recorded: 8h02m32s
